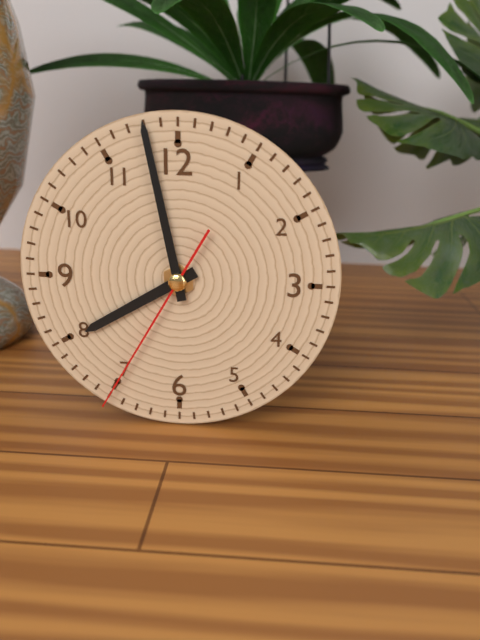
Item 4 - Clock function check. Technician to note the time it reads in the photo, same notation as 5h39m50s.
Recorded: 7h58m35s
